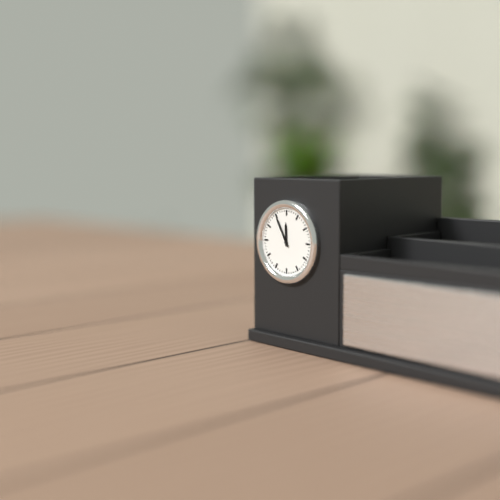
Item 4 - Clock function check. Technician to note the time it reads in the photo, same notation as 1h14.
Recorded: 11h55
